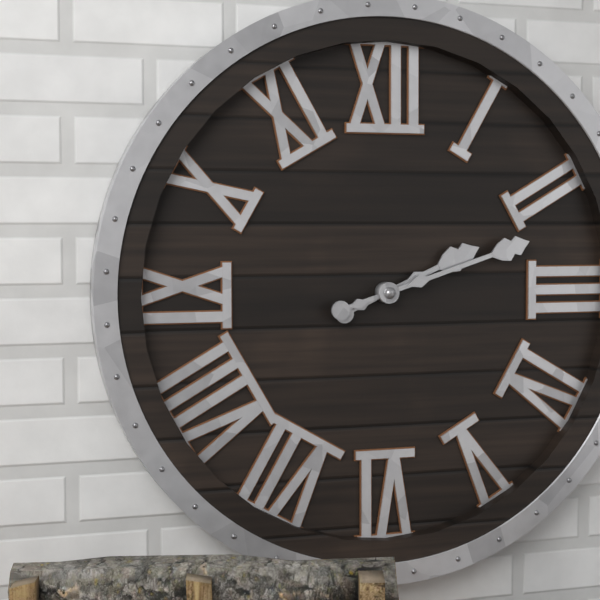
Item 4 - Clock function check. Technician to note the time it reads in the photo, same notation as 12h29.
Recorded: 2h12
